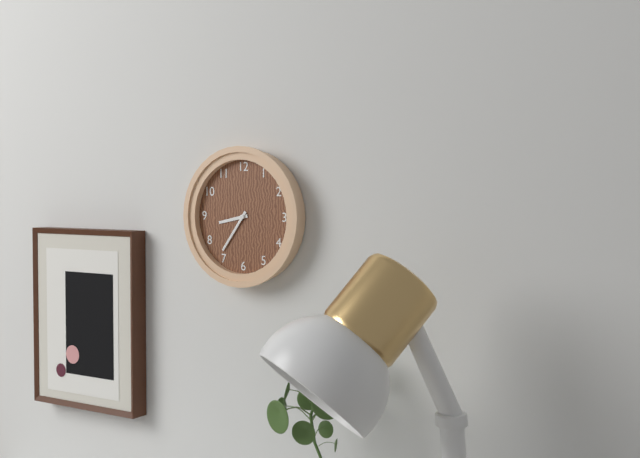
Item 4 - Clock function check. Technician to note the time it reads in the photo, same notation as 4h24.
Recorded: 8h36
